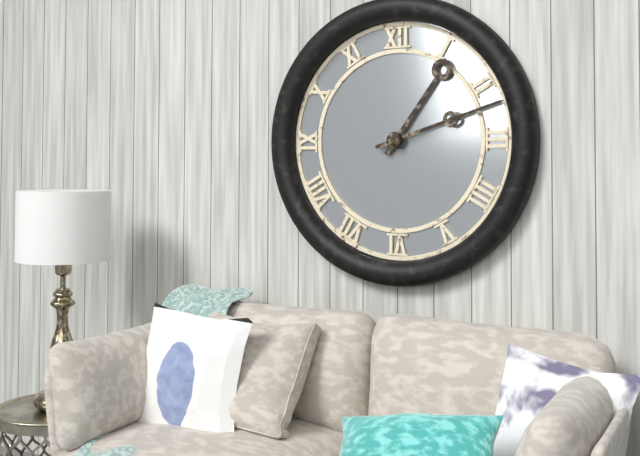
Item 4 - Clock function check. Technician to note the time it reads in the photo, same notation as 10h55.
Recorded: 1h12
